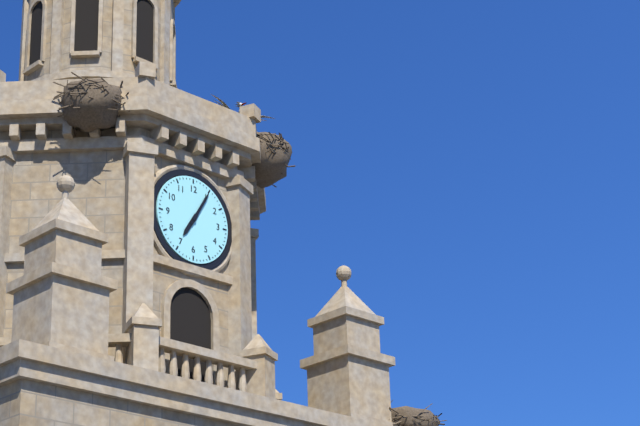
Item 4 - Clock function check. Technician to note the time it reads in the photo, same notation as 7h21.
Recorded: 7h05
